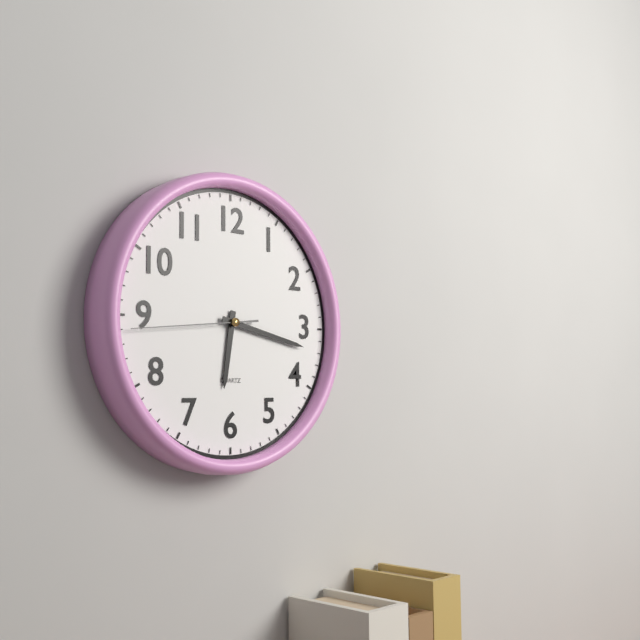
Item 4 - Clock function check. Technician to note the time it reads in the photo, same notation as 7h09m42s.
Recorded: 6h17m44s
